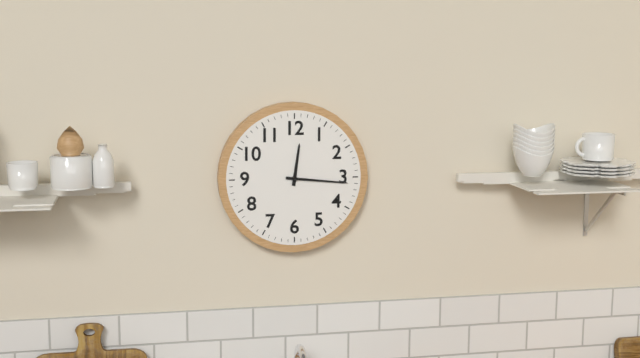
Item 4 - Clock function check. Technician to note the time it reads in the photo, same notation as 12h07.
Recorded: 12h16
